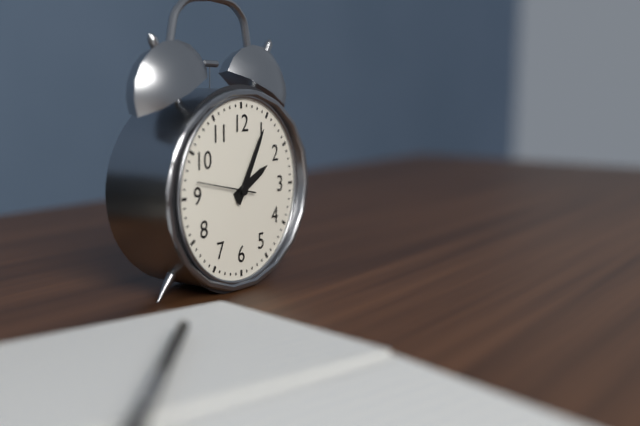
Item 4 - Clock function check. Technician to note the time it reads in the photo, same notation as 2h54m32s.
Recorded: 2h05m47s
